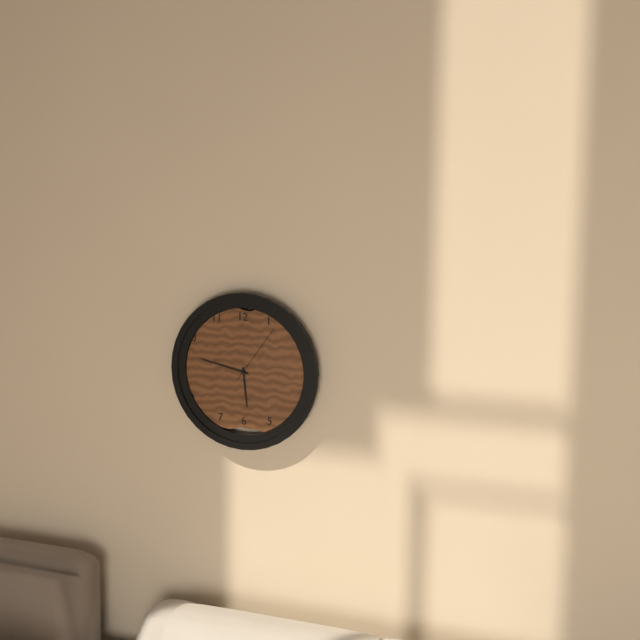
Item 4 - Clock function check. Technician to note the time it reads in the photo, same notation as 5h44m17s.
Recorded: 5h47m06s
